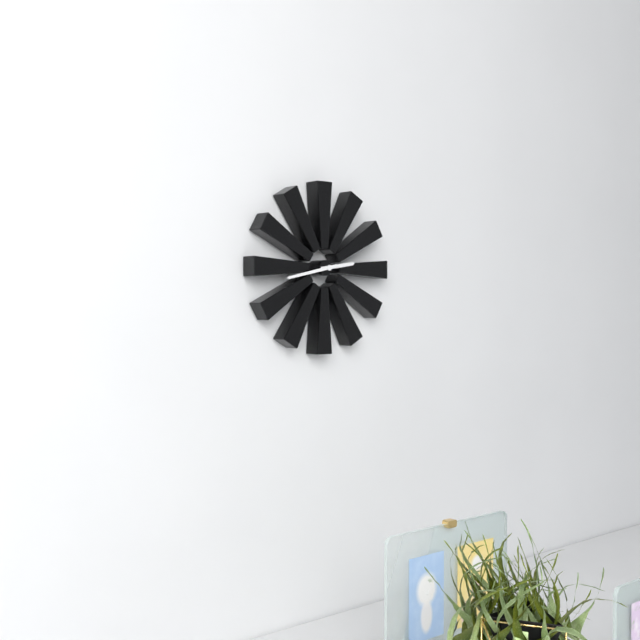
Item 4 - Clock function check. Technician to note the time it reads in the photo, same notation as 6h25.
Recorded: 2h43
